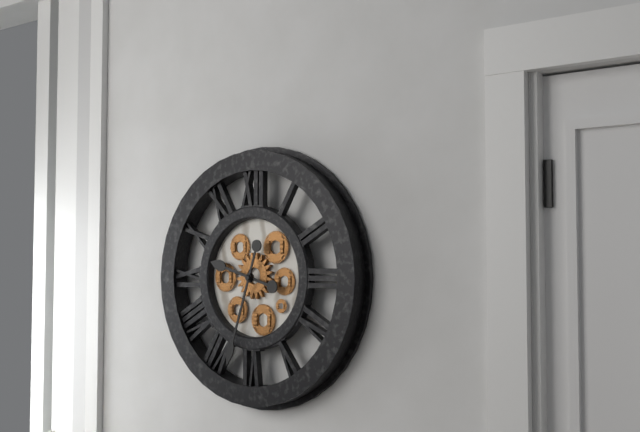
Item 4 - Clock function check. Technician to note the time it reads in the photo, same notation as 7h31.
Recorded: 9h33
